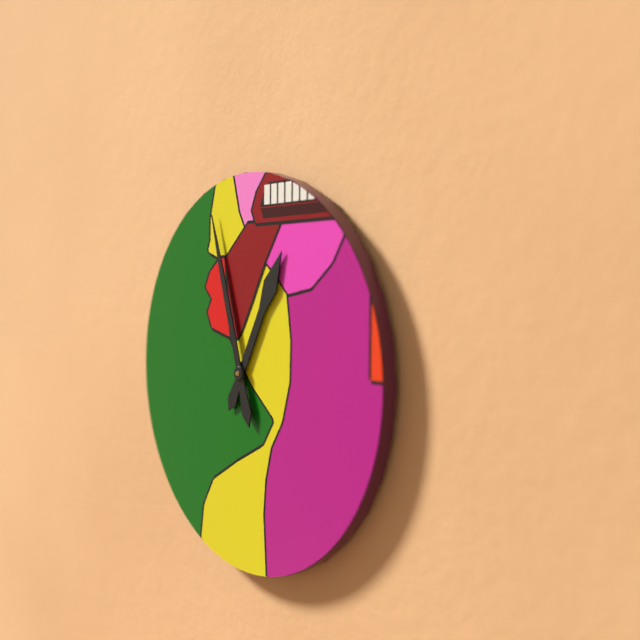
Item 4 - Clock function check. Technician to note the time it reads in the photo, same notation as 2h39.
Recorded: 12h57
